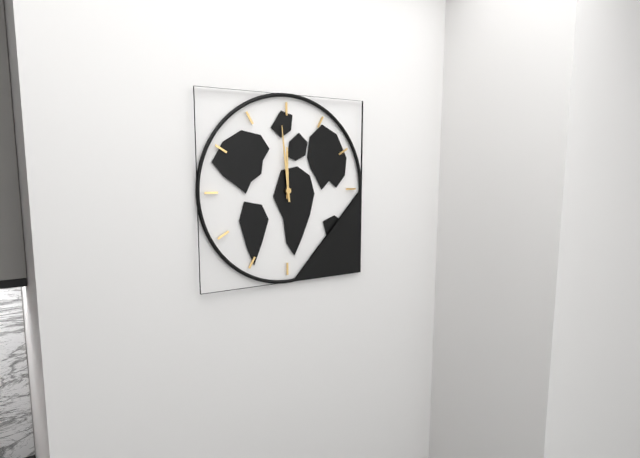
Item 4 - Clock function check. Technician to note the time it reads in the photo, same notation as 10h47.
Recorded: 11h59
